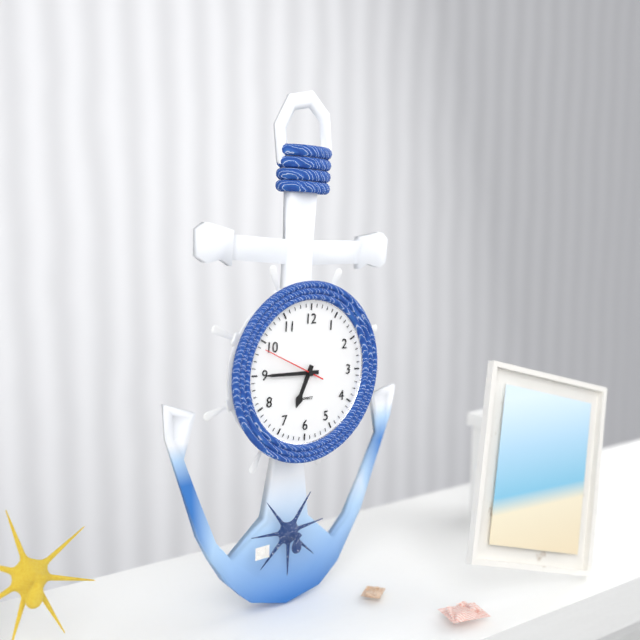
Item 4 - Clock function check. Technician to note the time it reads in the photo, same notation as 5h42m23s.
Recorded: 6h45m49s
